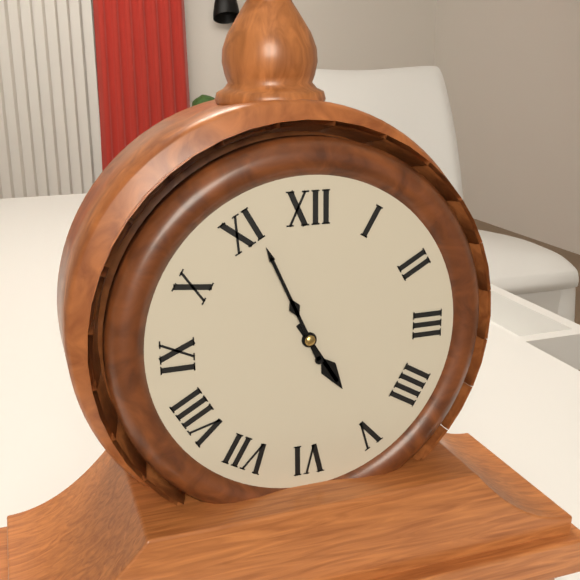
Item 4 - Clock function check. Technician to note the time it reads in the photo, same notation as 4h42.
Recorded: 4h56
